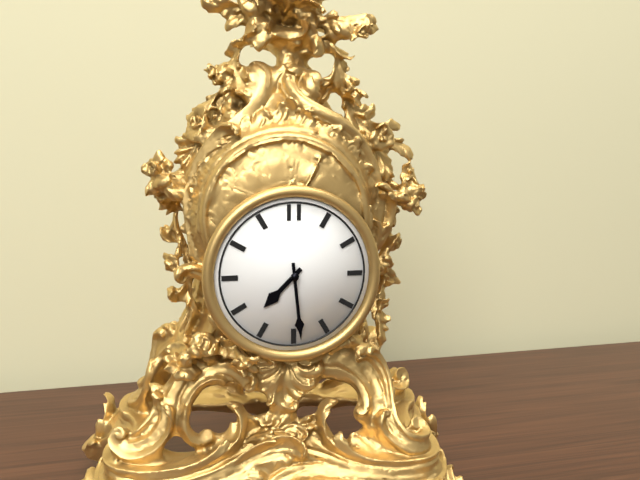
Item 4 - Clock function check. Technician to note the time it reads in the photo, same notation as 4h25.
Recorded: 7h29
